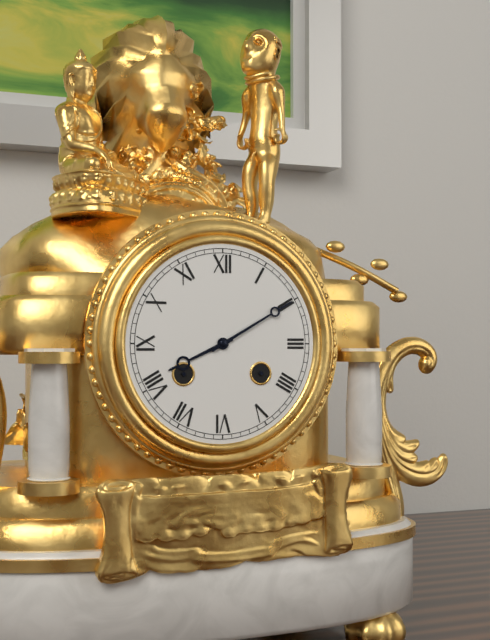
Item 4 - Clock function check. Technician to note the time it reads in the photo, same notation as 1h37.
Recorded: 8h10
